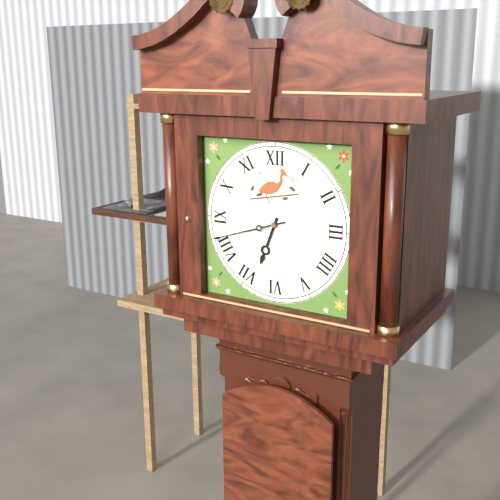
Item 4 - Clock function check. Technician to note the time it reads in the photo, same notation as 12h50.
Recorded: 6h42
